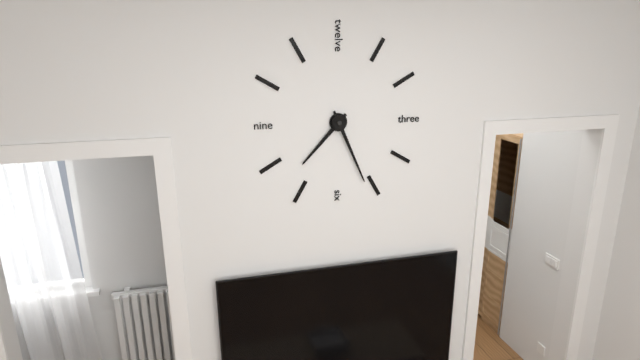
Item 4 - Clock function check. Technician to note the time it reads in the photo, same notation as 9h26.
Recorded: 7h26
